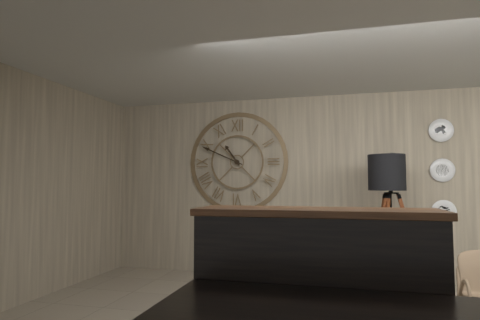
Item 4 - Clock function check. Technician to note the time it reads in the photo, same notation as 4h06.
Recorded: 10h49
